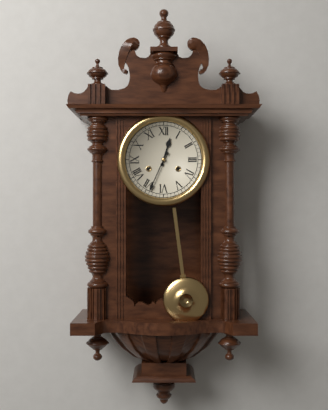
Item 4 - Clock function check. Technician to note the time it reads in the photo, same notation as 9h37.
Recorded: 12h34
